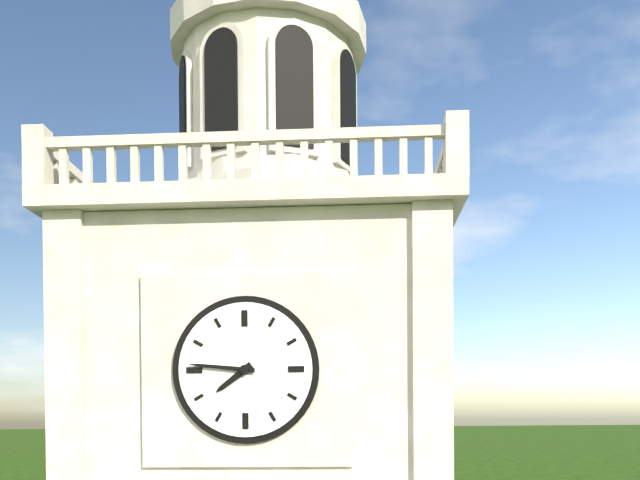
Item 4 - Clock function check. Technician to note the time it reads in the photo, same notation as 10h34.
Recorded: 7h46
